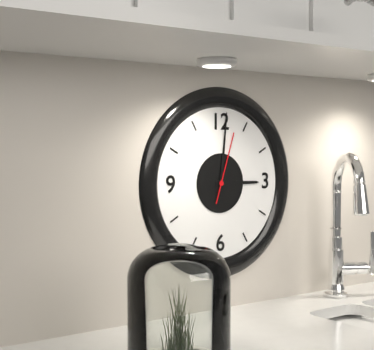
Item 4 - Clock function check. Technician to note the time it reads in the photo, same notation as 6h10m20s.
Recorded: 3h01m03s
